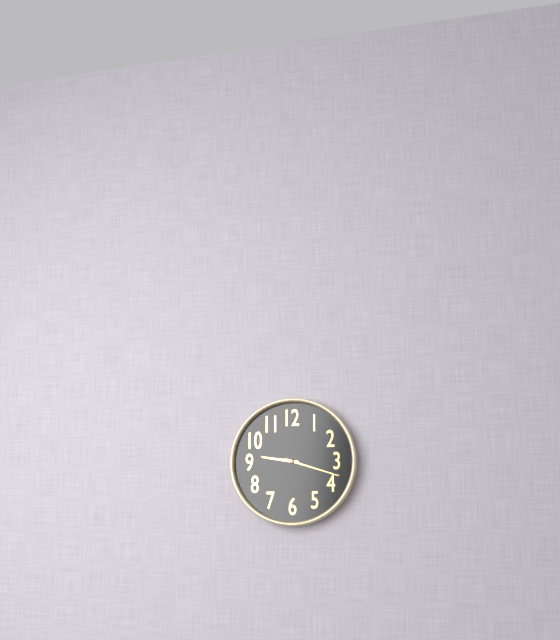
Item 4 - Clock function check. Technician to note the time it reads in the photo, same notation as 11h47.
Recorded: 9h18
